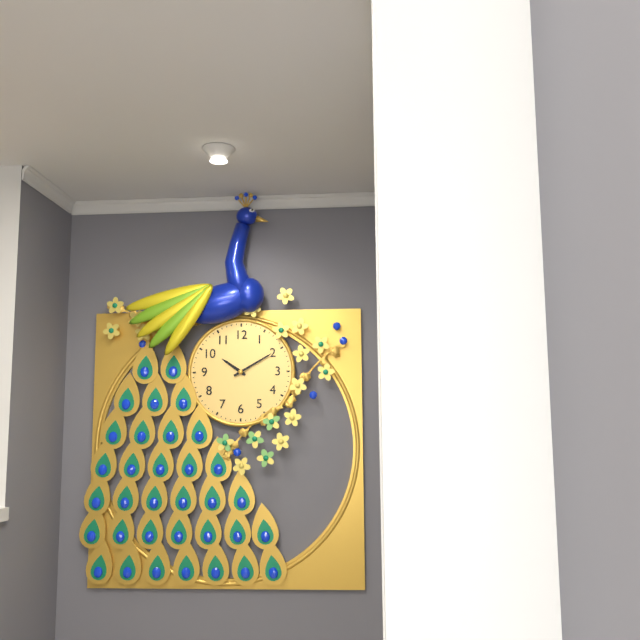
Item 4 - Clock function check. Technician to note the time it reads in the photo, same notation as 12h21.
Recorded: 10h10
